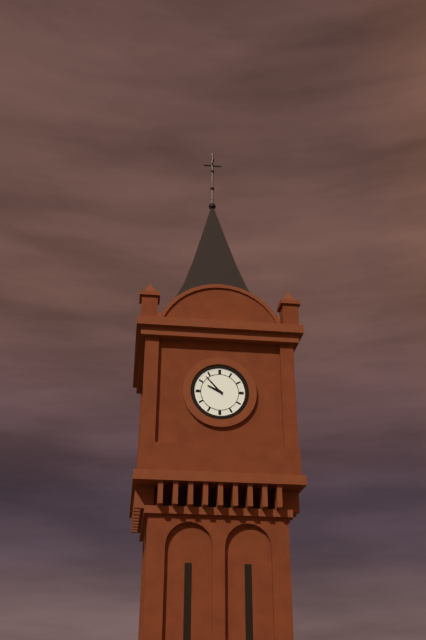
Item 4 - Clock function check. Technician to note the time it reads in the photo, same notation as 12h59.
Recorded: 9h53
